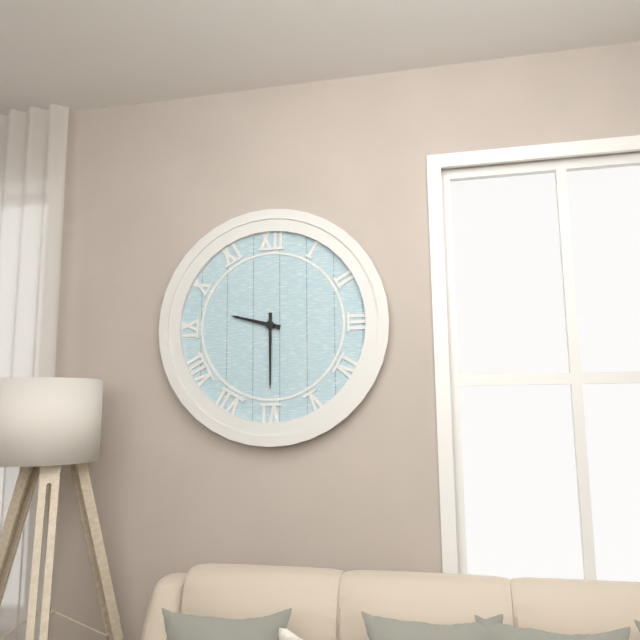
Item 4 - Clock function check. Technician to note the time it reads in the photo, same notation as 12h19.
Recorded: 9h30
